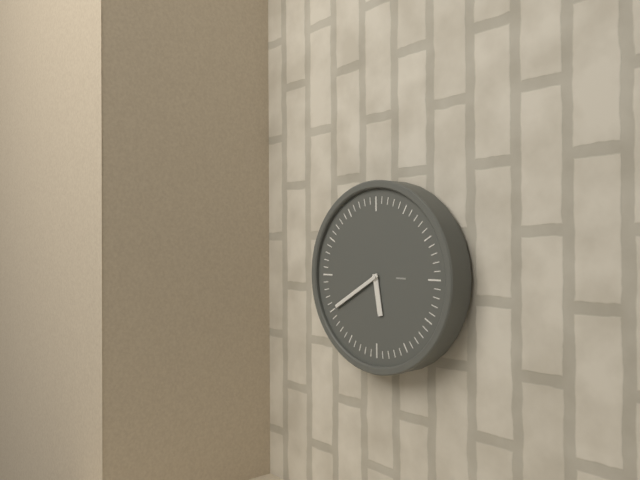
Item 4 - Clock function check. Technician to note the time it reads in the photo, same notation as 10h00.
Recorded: 5h40
